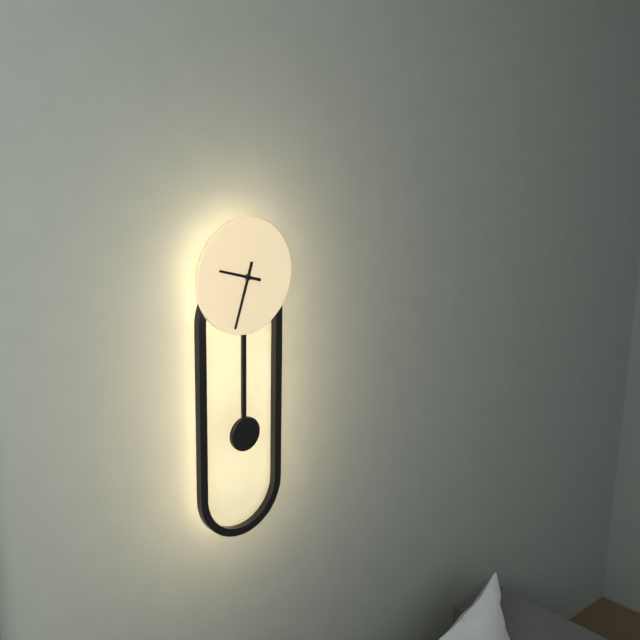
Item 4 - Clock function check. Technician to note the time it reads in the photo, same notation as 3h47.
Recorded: 9h33
